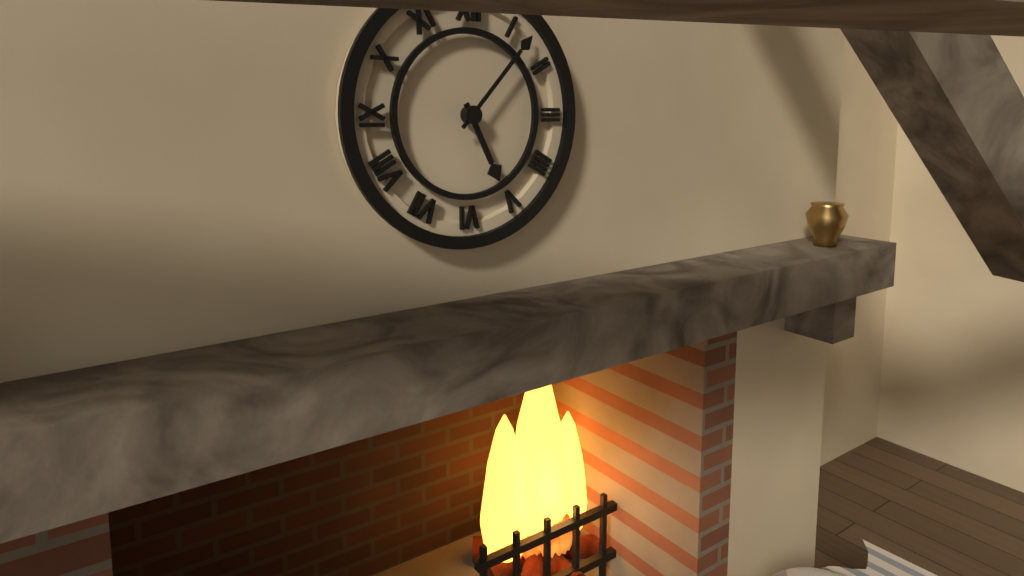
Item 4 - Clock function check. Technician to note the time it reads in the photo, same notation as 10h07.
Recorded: 5h07
